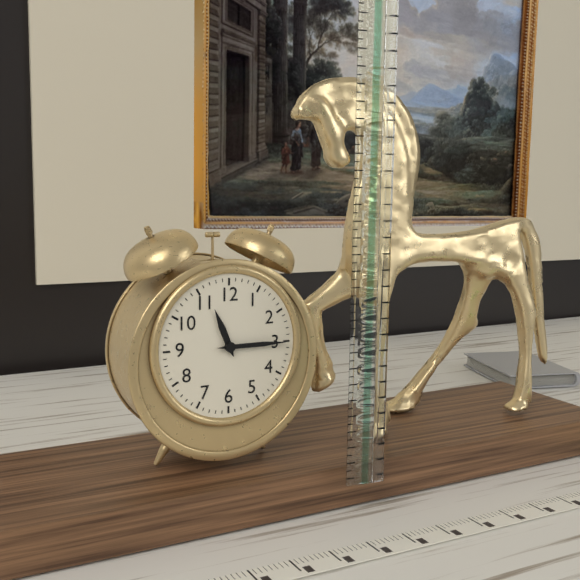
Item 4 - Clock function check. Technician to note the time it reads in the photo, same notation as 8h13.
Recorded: 11h15
